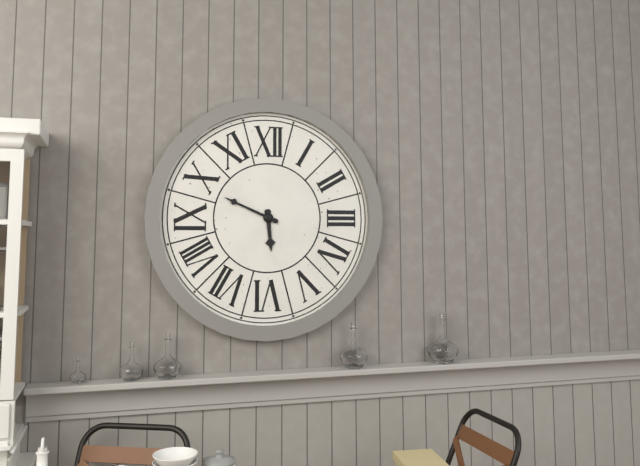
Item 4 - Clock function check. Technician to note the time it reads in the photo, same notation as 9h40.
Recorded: 5h49
